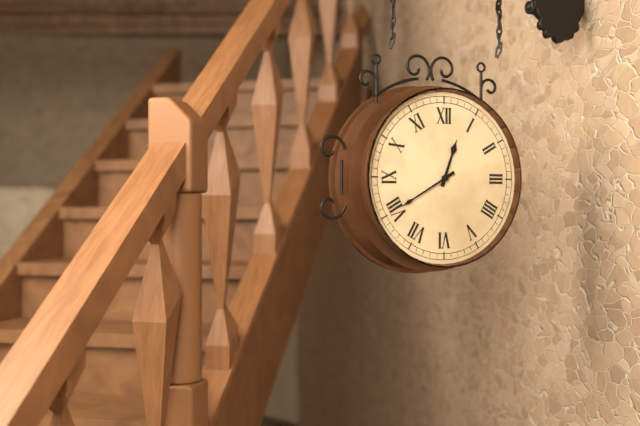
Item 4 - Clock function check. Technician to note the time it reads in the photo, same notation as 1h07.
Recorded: 12h40
